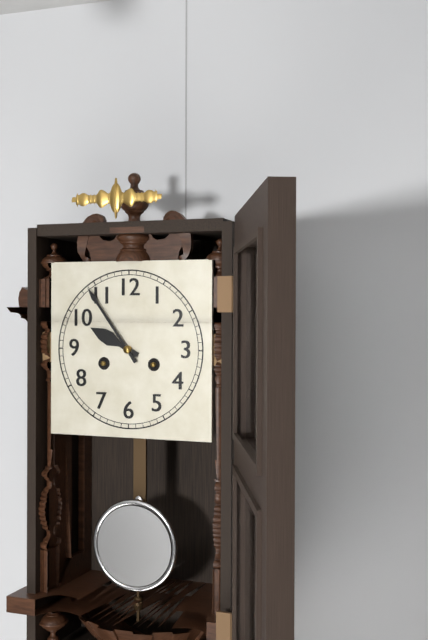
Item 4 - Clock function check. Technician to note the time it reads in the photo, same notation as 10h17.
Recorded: 9h54
